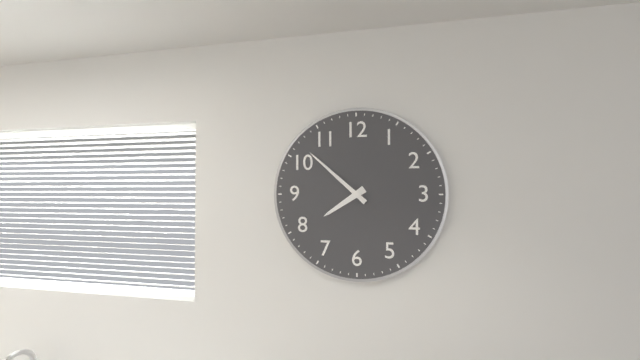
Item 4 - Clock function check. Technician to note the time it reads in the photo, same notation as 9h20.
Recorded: 7h52
